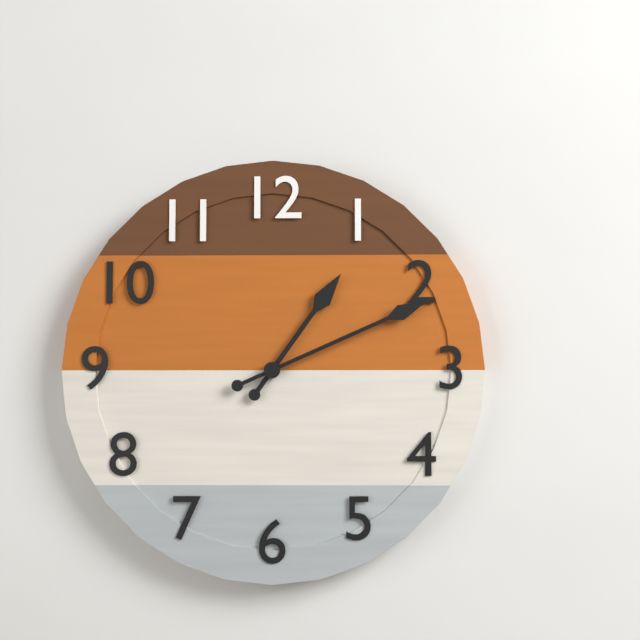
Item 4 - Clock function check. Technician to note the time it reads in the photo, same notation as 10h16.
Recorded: 1h11
